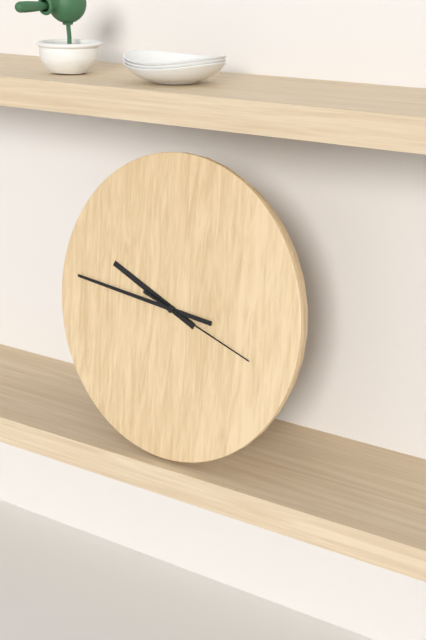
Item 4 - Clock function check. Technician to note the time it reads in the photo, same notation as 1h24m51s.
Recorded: 9h46m18s
